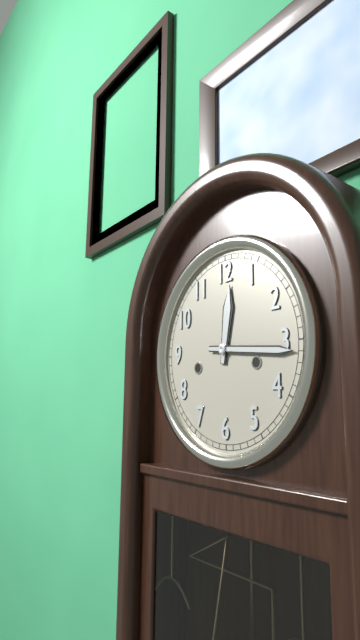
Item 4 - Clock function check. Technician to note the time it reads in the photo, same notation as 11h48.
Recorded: 12h16
